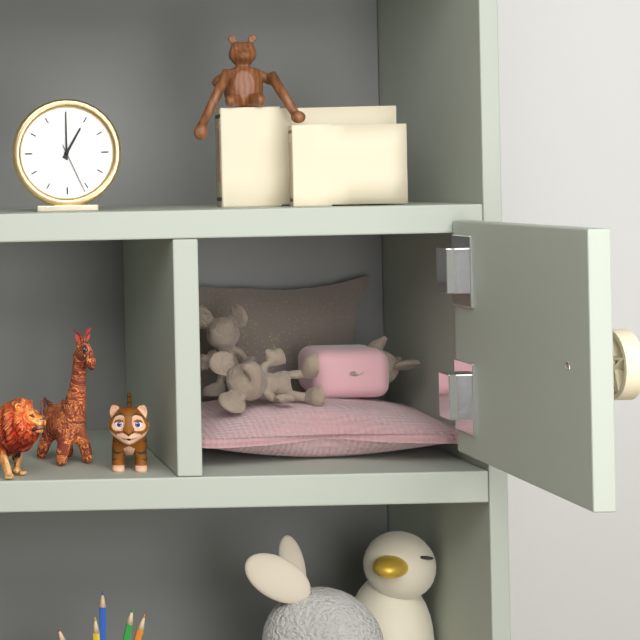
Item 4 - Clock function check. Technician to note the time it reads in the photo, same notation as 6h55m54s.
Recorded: 1h00m26s
